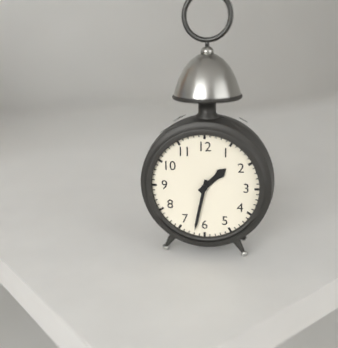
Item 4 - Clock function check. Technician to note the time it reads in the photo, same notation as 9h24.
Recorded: 1h32
